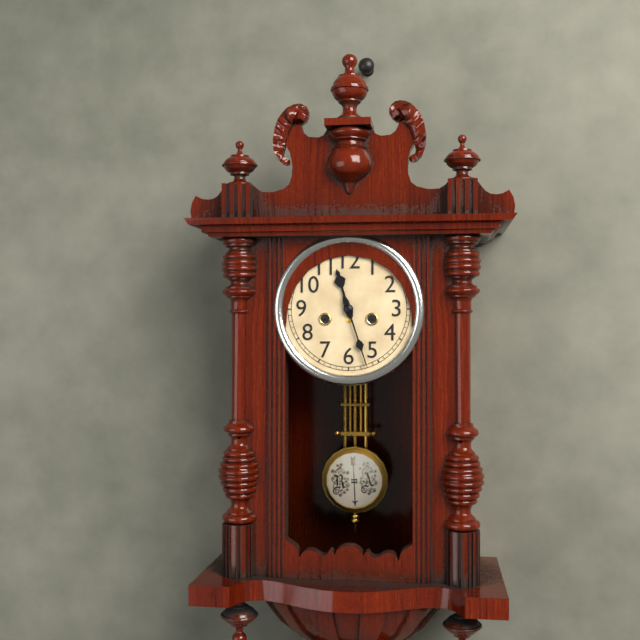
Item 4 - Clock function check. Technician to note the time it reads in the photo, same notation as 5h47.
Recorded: 11h27
